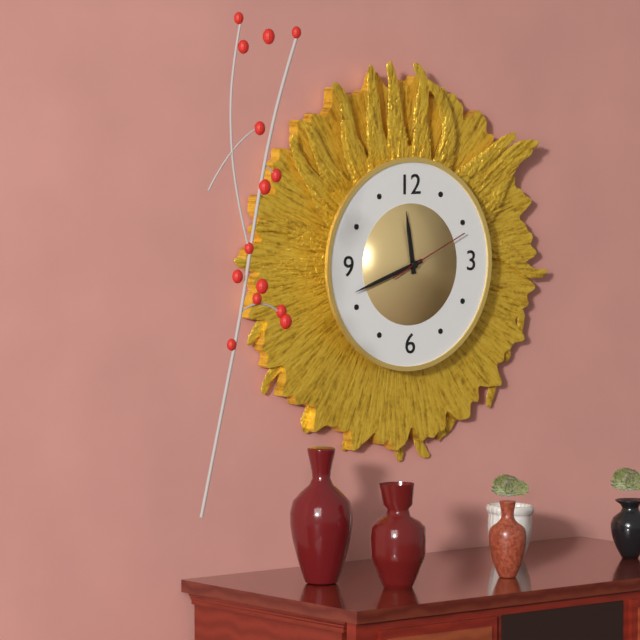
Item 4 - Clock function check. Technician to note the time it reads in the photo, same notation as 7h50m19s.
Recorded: 11h42m11s
